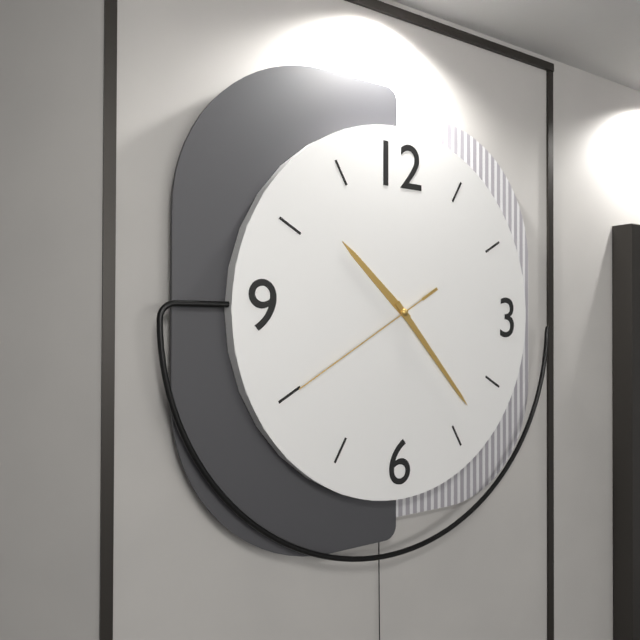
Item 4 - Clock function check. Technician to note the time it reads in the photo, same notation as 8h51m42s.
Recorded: 10h23m40s
